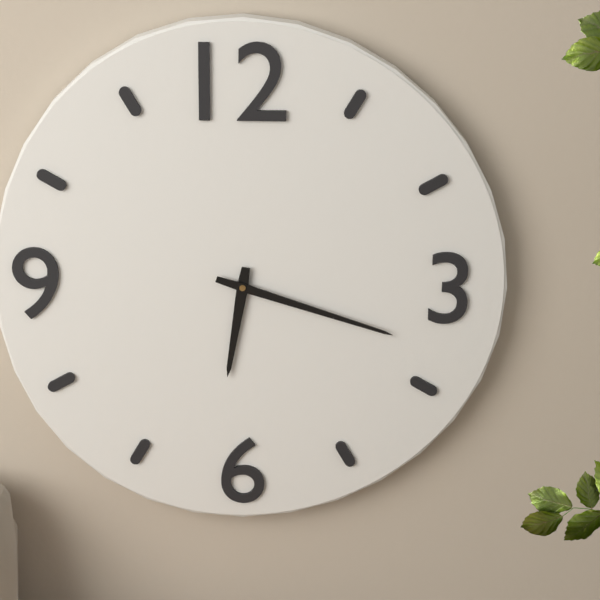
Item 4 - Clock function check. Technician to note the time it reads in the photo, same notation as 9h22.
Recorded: 6h18
